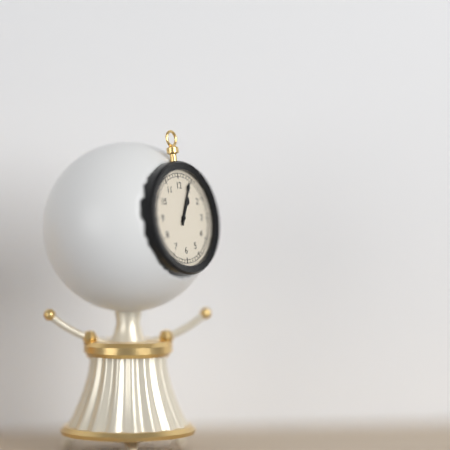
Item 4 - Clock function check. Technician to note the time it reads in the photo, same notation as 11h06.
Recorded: 1h04
